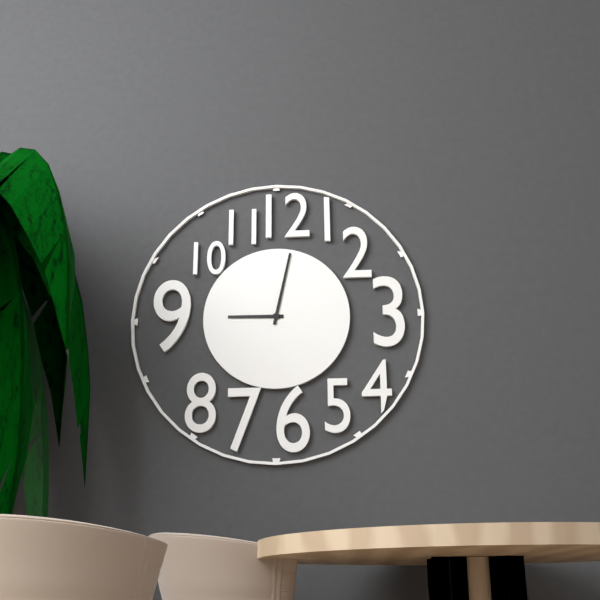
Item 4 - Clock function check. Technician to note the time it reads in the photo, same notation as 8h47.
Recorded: 9h02
